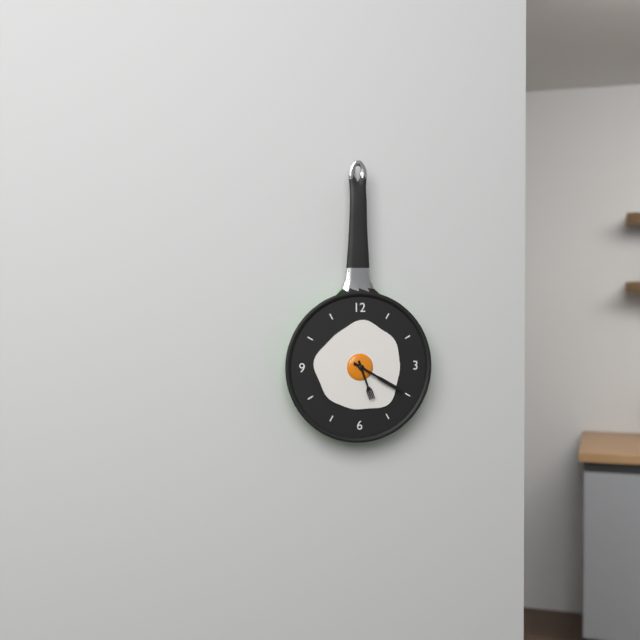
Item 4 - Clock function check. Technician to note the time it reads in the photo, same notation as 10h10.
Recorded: 5h20
